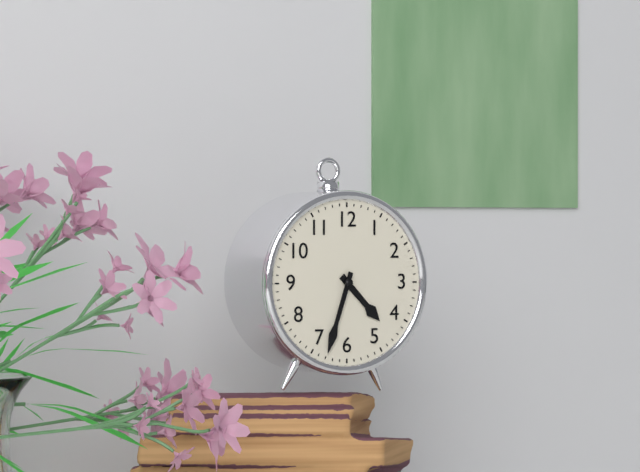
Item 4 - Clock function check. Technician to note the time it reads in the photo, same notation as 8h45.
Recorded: 4h33
